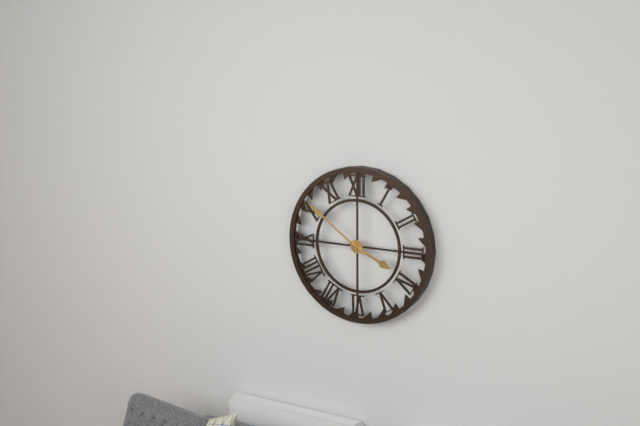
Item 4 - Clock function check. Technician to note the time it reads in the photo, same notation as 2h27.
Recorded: 3h51
